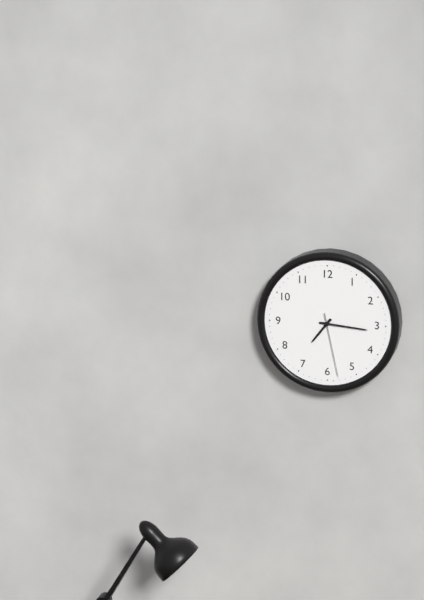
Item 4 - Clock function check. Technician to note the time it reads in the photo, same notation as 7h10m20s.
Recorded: 7h16m28s
